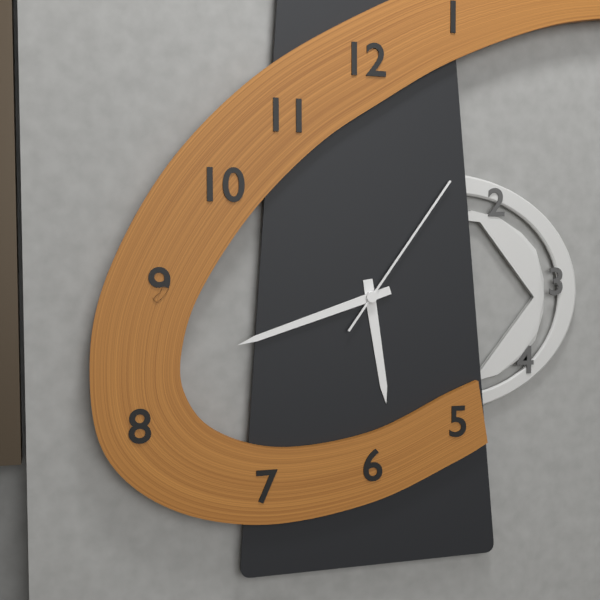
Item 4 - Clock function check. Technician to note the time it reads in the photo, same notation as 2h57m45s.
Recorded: 5h42m06s
